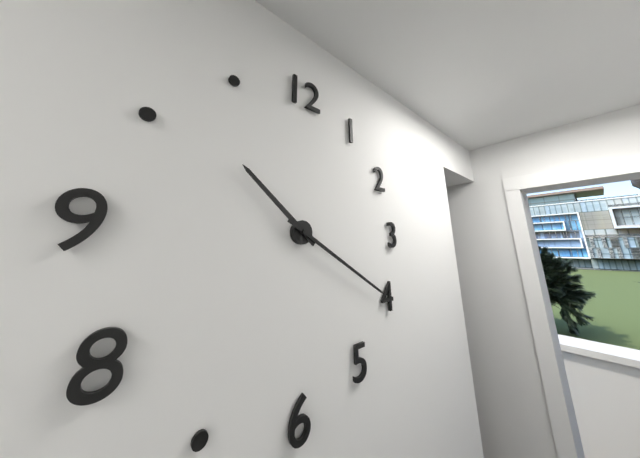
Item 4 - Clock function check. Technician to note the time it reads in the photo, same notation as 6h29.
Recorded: 10h20
